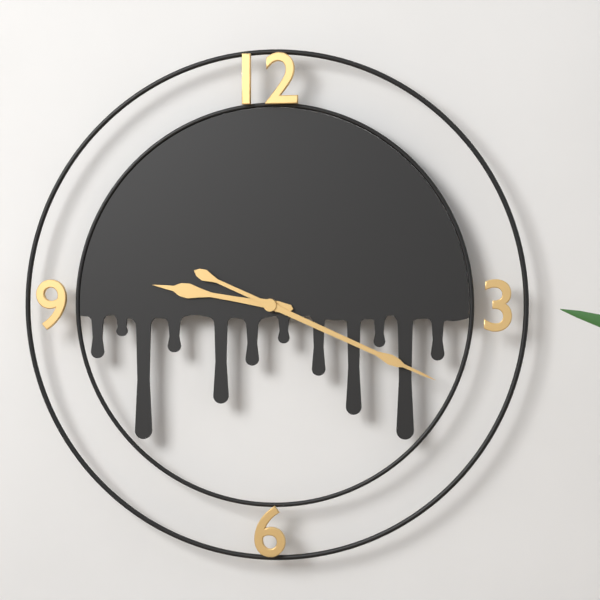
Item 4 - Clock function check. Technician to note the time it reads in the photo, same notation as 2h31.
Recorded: 9h19
